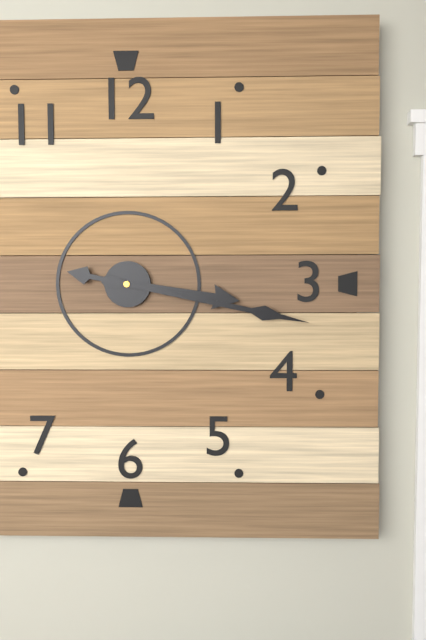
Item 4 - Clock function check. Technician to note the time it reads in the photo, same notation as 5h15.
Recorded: 3h17
